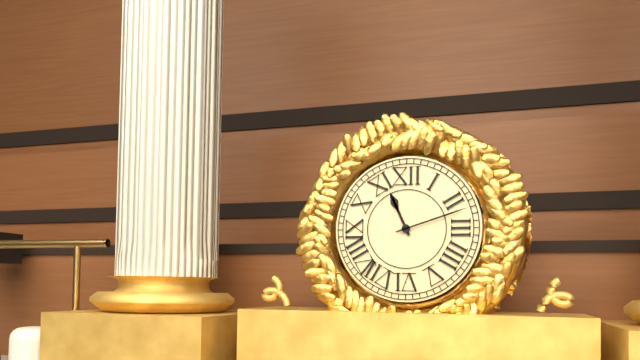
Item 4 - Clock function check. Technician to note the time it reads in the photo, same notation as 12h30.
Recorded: 11h12
